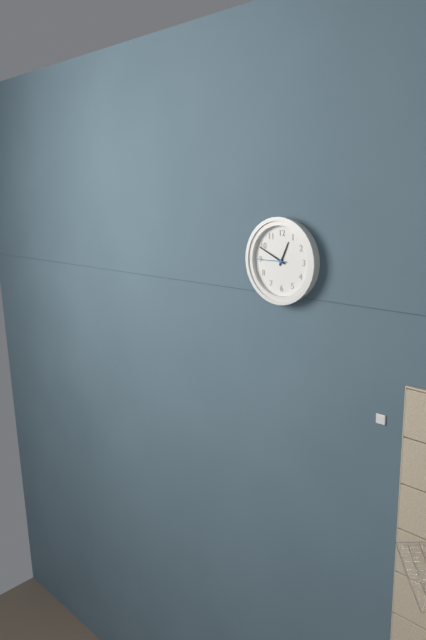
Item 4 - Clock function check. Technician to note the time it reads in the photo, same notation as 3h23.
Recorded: 12h49
